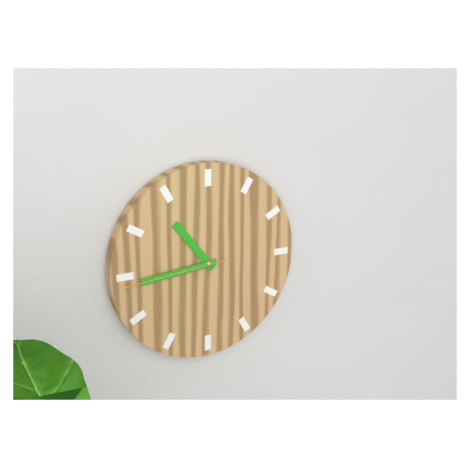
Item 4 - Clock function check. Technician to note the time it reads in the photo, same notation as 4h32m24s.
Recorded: 10h44m44s
